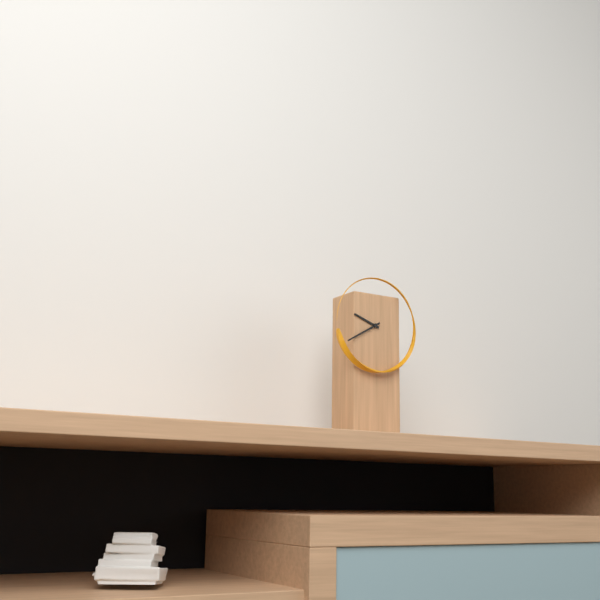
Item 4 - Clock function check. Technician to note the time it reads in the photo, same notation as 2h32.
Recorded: 9h40
